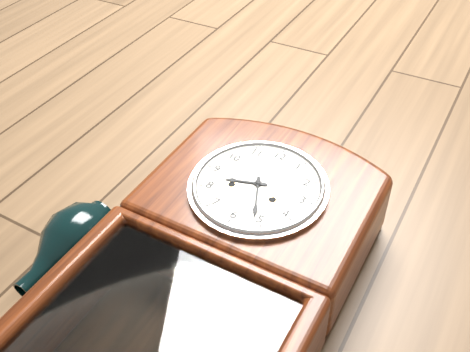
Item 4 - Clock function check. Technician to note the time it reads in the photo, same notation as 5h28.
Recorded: 8h26
